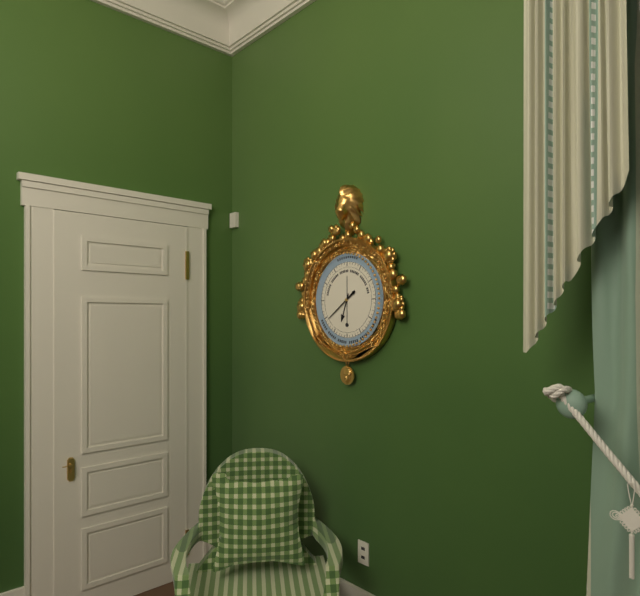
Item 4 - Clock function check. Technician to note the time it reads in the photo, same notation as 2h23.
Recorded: 6h39
